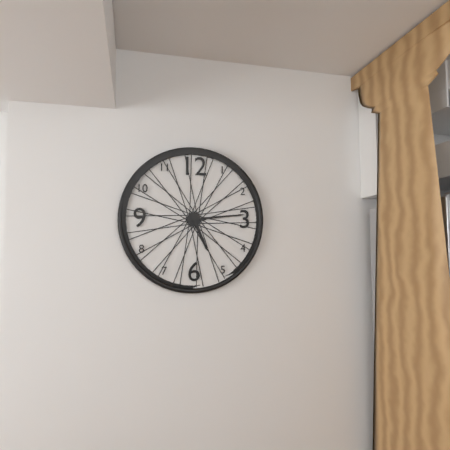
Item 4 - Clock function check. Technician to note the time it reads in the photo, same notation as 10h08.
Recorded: 5h14
